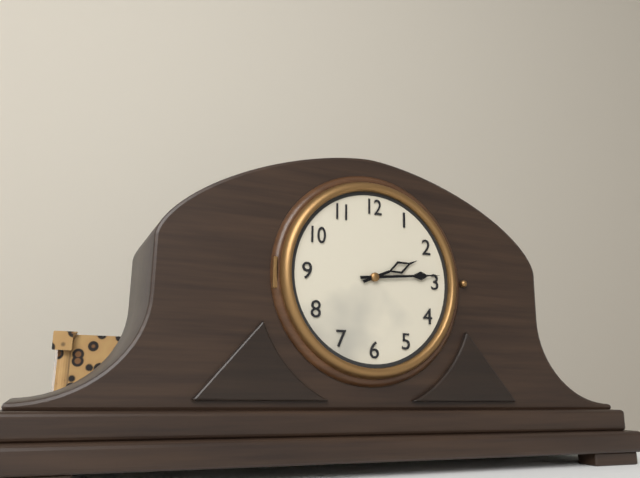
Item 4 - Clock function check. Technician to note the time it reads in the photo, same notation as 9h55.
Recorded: 2h14
